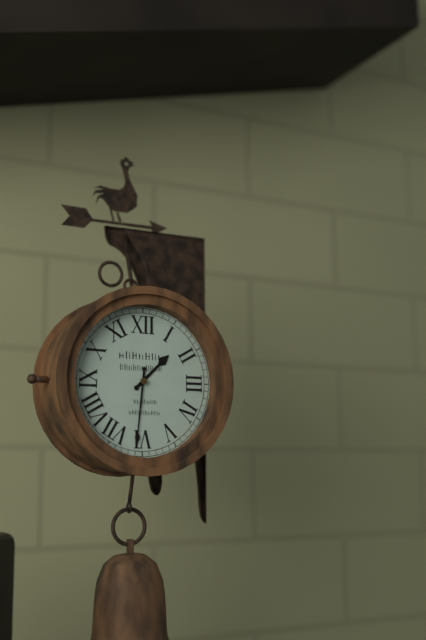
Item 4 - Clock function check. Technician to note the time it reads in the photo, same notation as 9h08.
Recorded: 1h31
